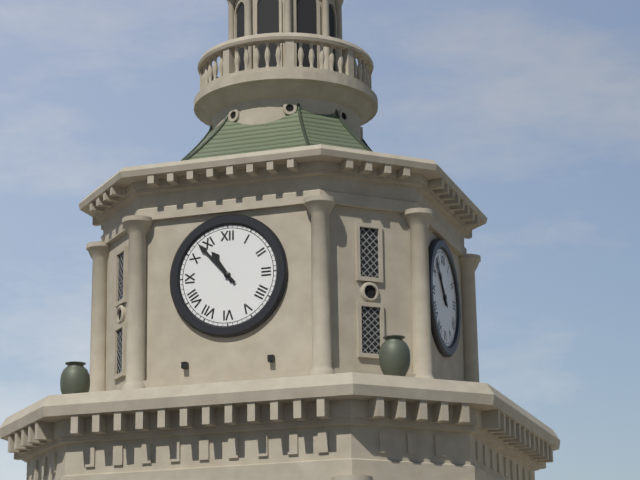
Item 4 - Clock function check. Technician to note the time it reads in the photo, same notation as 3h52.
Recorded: 10h53
